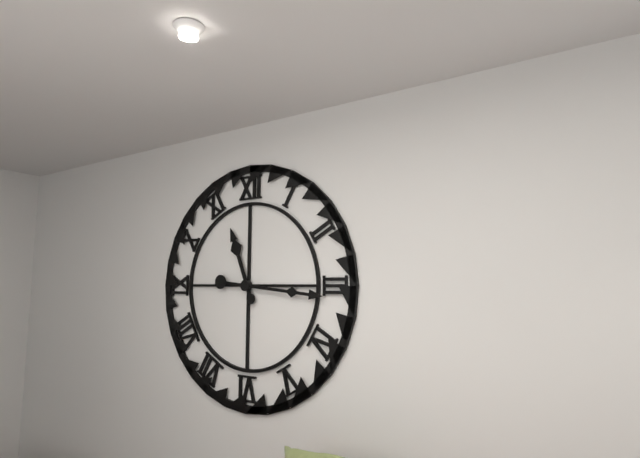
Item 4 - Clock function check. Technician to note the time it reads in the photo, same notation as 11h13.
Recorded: 11h16
